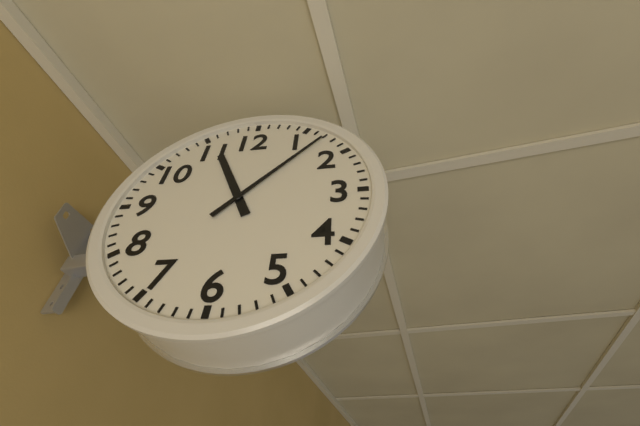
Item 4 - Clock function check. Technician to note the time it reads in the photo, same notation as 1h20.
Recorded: 11h07
